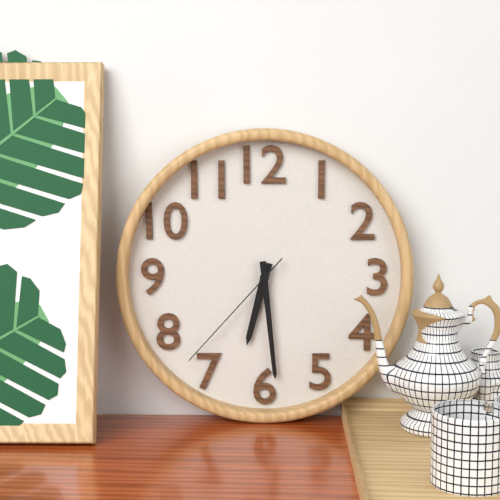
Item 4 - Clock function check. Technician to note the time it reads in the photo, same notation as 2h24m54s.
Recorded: 6h29m37s
